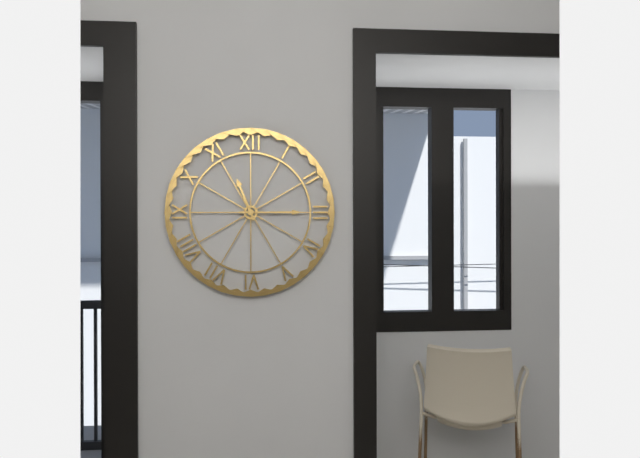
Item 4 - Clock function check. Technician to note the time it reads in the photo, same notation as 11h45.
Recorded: 11h15
